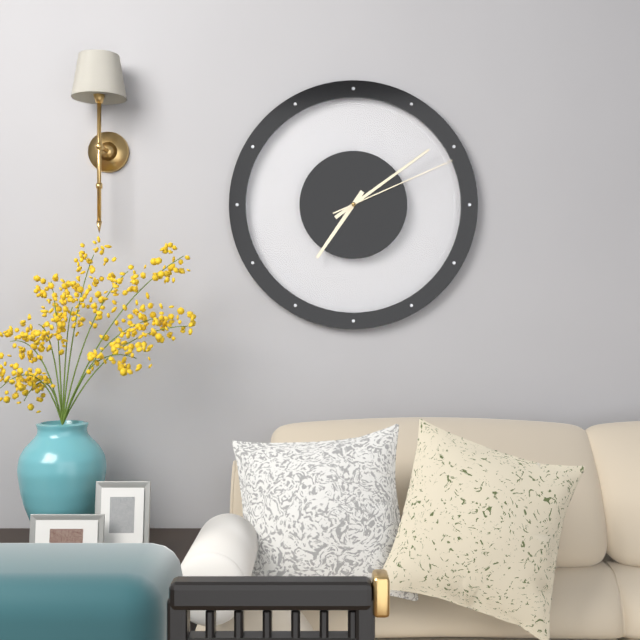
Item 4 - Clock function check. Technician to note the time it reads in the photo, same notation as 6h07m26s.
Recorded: 7h09m11s
